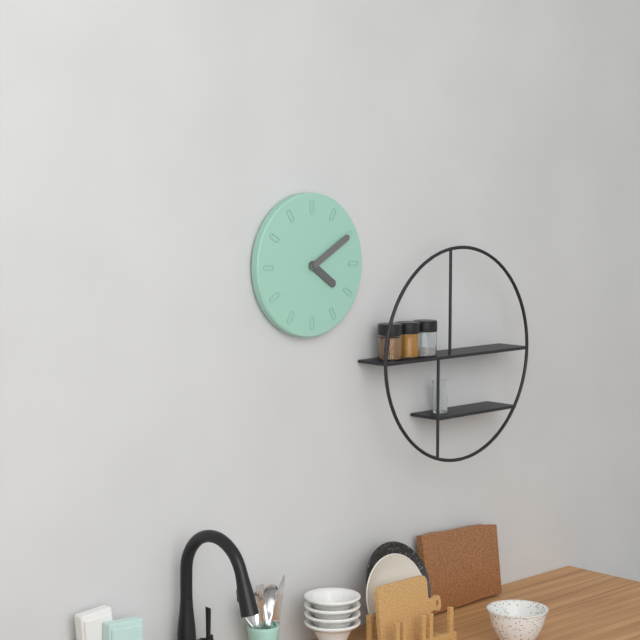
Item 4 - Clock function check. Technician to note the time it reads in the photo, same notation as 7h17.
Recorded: 4h10
